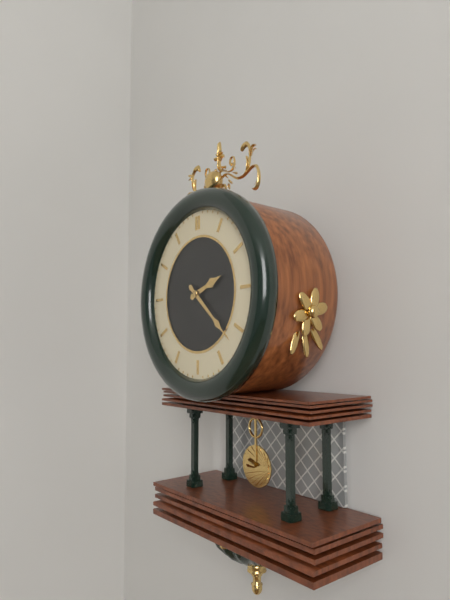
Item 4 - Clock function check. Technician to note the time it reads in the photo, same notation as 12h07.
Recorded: 2h22
